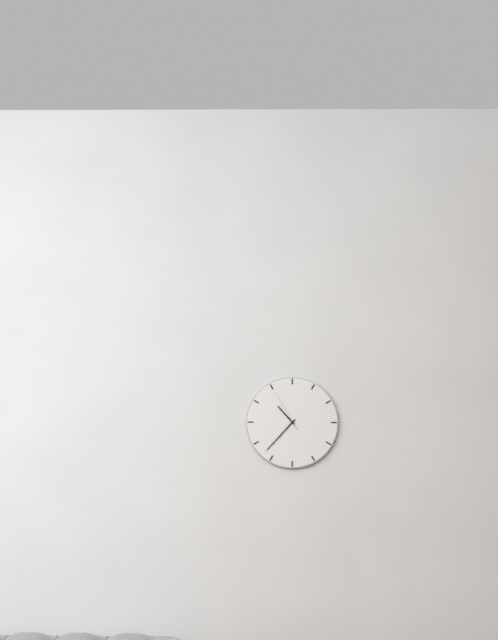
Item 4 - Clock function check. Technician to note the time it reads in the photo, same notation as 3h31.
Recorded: 10h37
